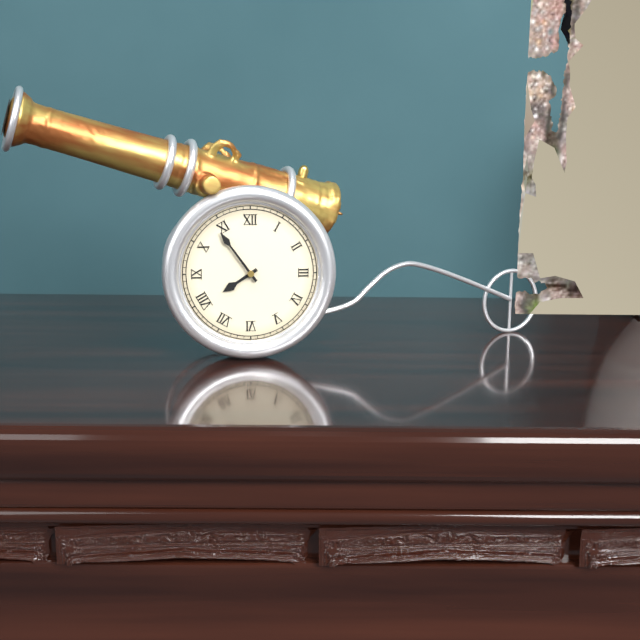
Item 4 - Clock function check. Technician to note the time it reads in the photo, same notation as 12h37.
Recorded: 7h54
